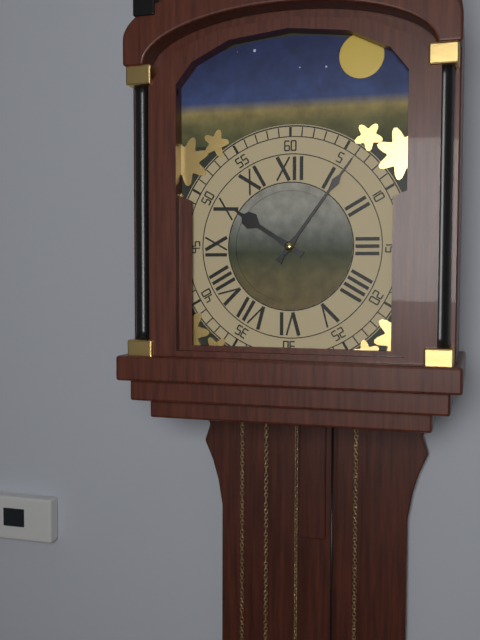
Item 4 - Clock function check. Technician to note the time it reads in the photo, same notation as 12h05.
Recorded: 10h06
